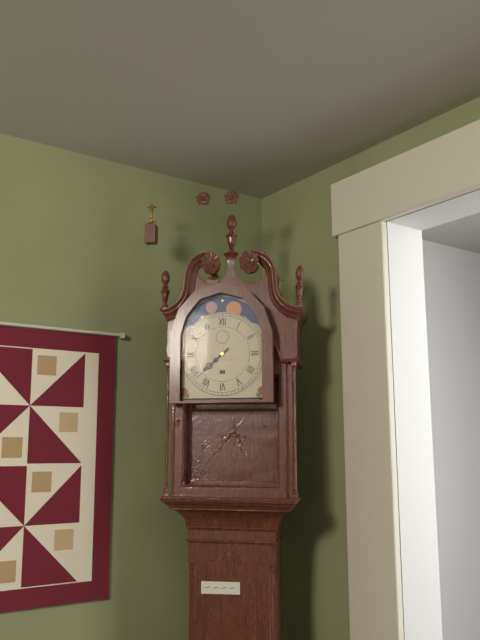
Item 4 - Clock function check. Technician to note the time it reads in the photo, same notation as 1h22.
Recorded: 7h38
